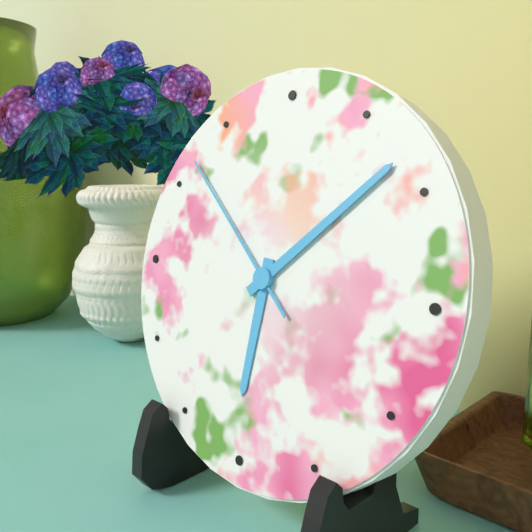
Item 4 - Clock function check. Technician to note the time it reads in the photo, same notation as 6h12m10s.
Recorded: 6h08m52s
